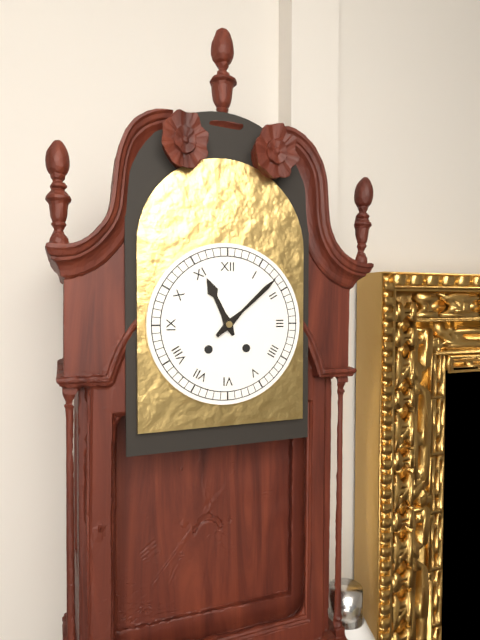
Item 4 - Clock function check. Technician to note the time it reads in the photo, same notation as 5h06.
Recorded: 11h08
